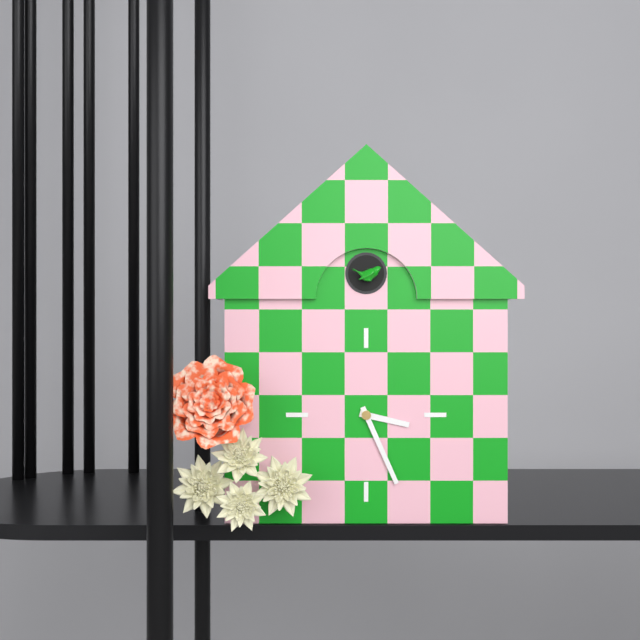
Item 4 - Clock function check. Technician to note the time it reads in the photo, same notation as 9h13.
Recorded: 3h26
